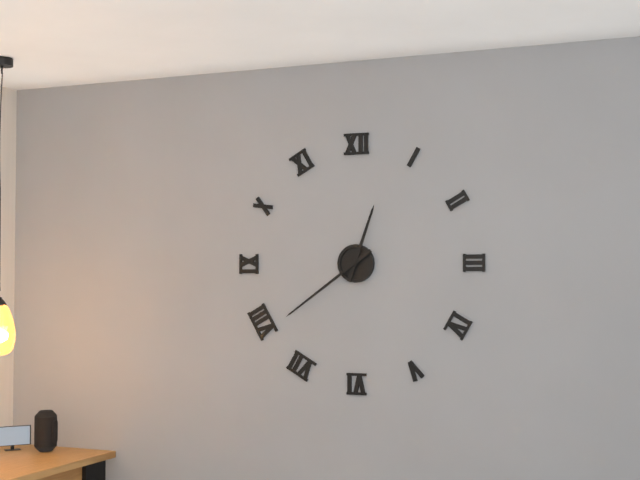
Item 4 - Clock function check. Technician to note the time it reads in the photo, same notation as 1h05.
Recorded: 12h39
